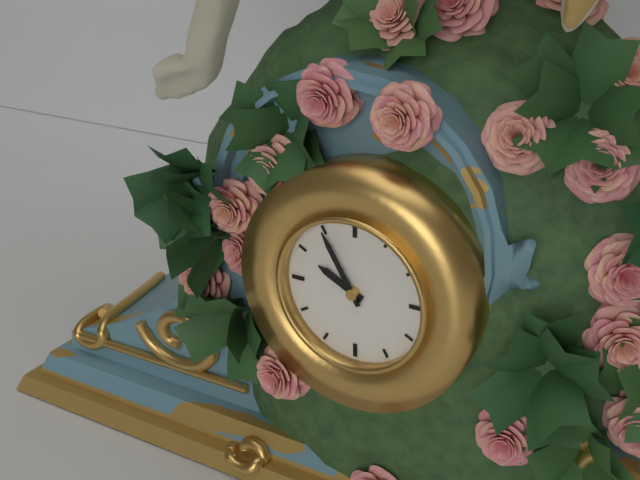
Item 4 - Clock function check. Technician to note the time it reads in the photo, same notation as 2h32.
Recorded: 9h55
